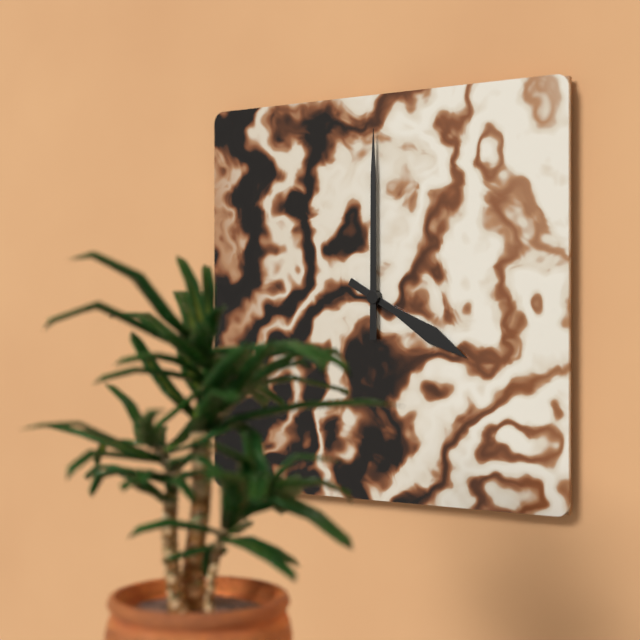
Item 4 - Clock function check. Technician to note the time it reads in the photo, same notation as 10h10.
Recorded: 4h00
